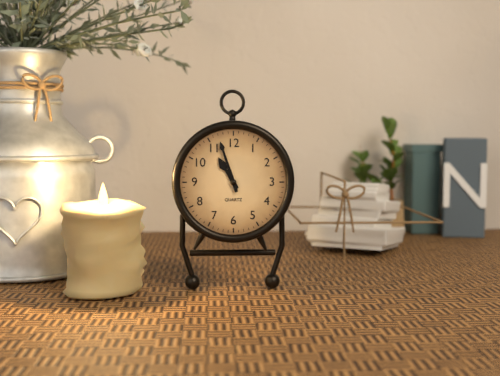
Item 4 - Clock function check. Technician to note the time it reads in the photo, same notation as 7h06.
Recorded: 10h57
